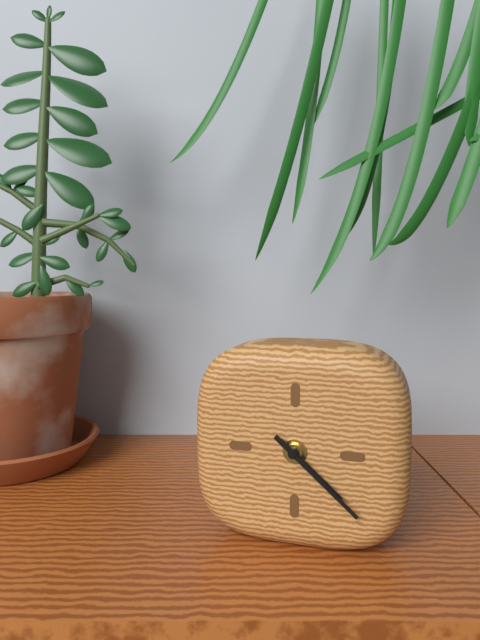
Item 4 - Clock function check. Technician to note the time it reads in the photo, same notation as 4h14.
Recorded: 4h22
